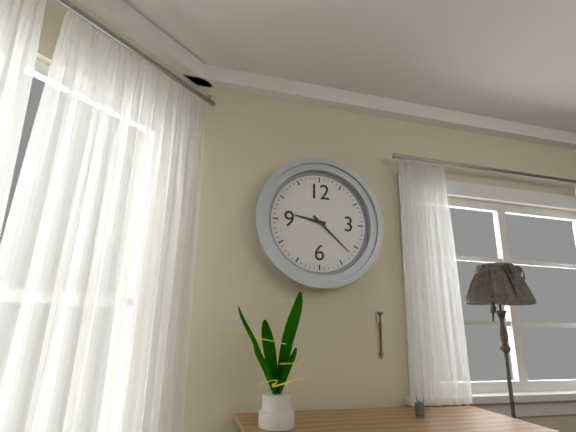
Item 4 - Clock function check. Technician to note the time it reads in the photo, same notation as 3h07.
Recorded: 9h22
